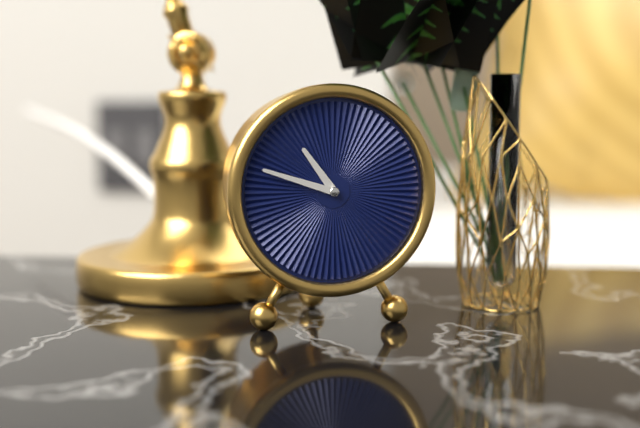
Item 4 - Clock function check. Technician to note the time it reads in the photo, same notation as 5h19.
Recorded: 10h48
